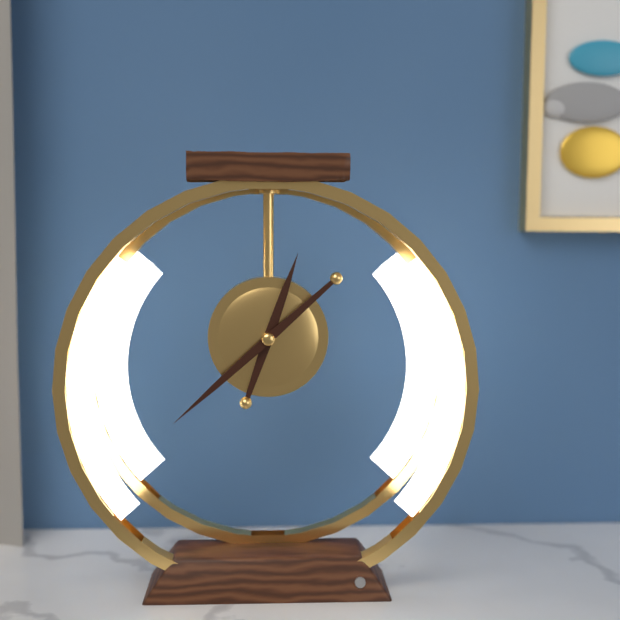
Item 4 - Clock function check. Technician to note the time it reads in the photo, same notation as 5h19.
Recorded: 12h38
